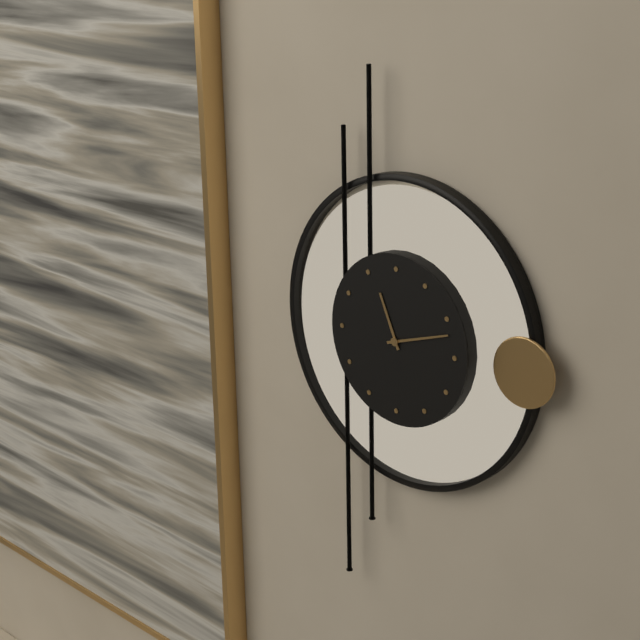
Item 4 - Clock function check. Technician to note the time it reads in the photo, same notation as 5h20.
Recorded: 11h12
